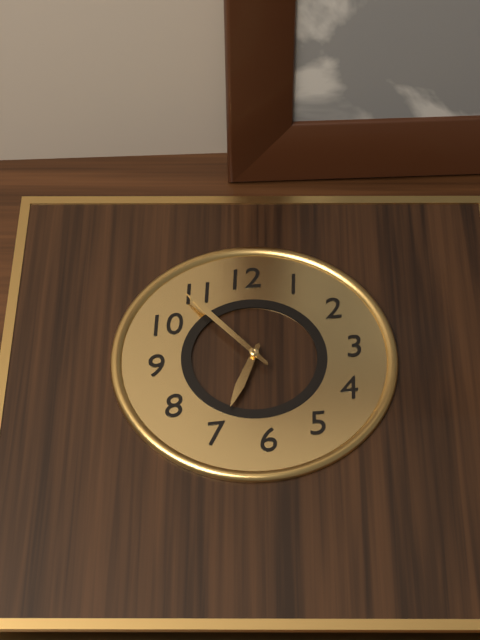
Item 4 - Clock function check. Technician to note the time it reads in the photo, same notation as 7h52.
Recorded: 6h54
